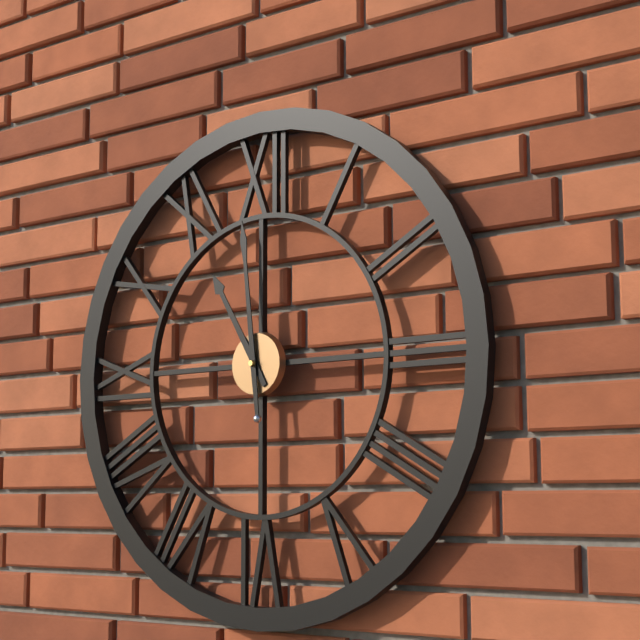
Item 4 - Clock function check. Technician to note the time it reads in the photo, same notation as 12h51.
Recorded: 10h59
